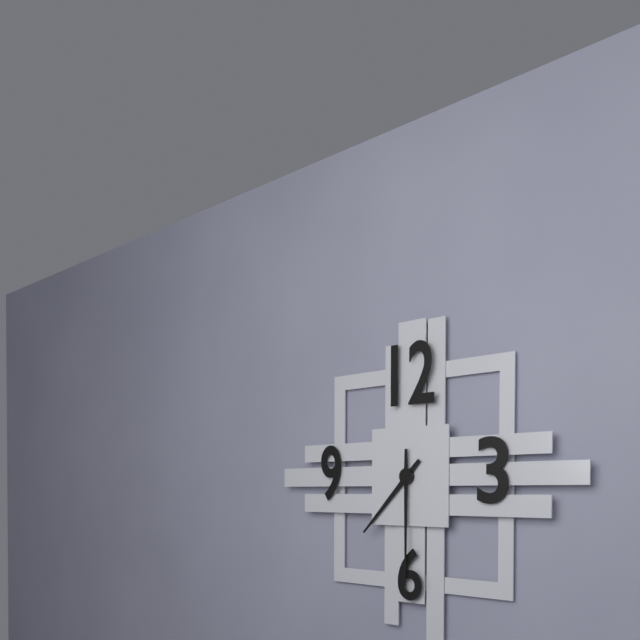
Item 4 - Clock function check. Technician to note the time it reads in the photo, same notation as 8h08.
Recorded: 7h30
